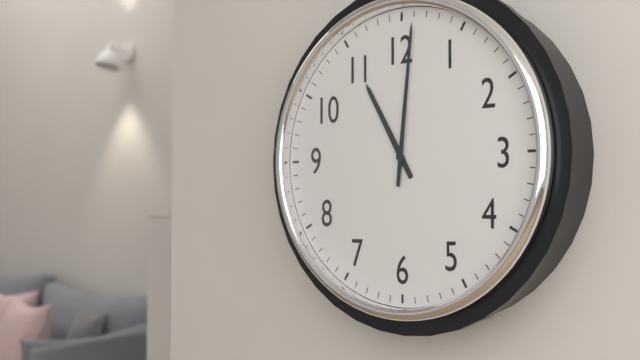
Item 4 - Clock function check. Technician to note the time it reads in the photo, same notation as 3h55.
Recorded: 11h01
